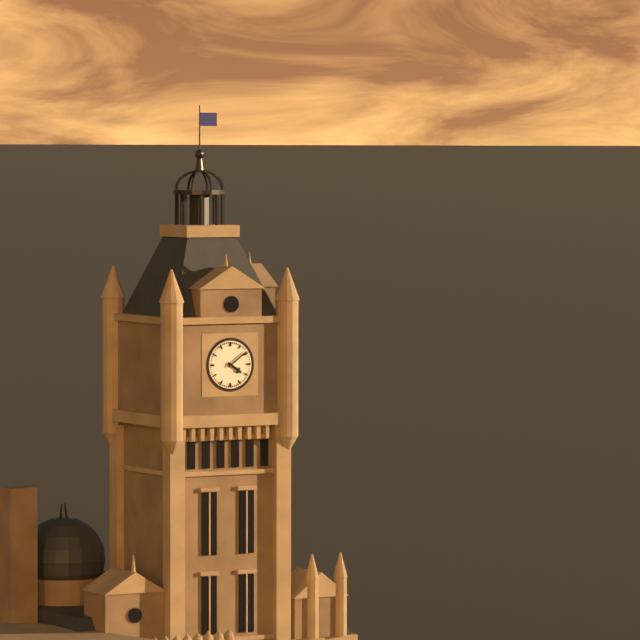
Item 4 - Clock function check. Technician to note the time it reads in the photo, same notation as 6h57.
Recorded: 4h09
